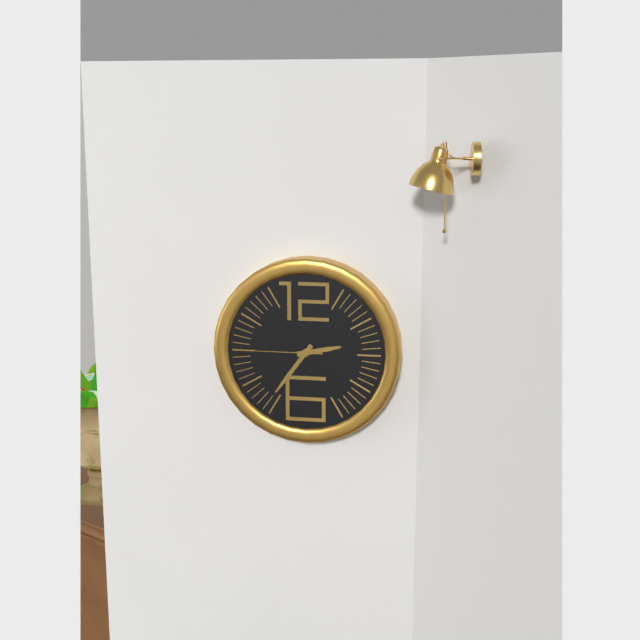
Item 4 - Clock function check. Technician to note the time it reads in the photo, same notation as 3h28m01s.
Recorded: 2h36m45s
